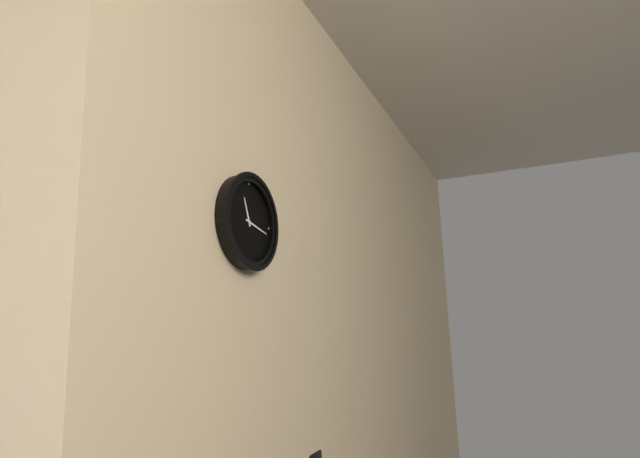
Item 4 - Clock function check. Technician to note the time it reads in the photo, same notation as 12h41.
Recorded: 11h17
